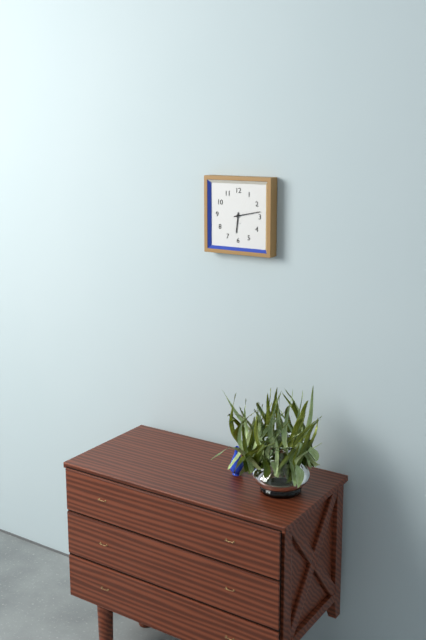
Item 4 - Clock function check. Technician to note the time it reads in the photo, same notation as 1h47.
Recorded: 6h13
